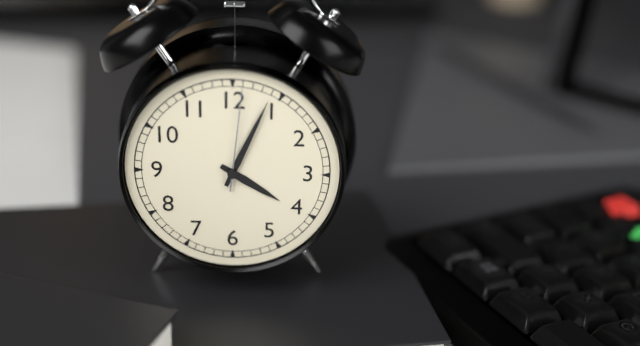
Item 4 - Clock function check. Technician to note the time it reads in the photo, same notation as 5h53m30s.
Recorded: 4h04m01s
